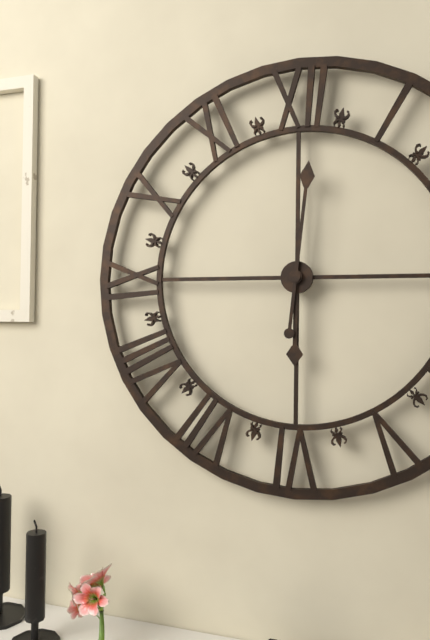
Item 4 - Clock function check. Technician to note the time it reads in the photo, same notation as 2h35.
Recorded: 6h01
